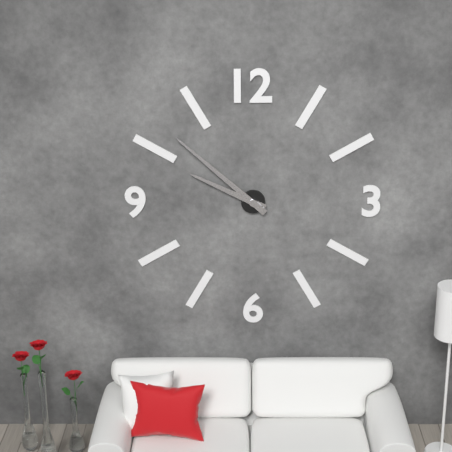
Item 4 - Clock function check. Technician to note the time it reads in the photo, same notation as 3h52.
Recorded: 9h52
